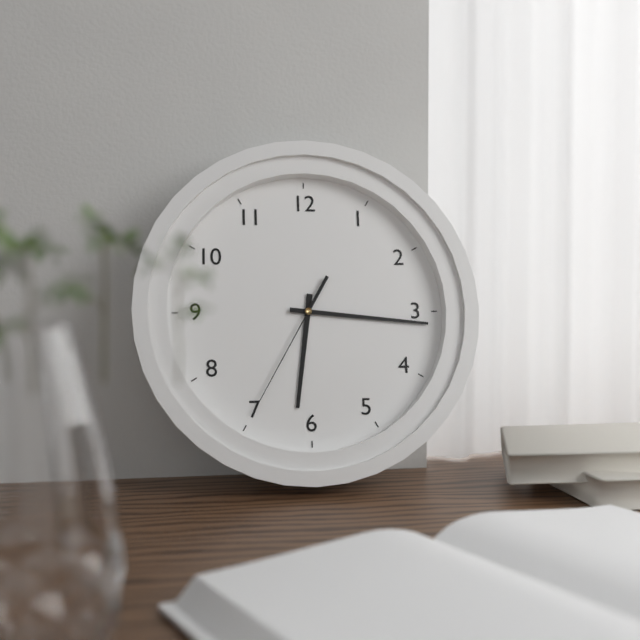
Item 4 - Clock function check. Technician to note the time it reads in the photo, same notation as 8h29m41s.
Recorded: 6h16m35s
